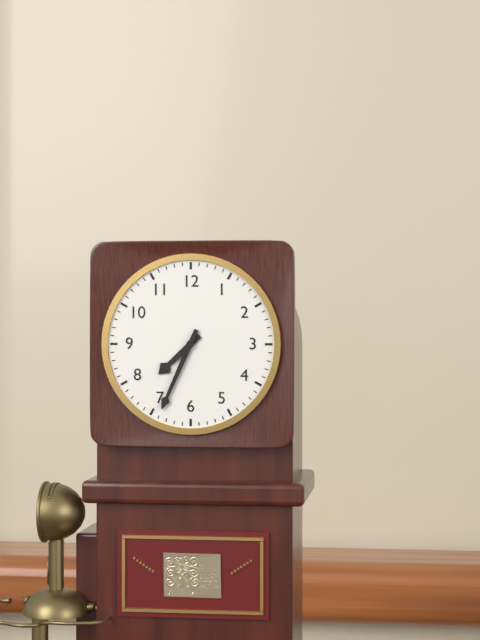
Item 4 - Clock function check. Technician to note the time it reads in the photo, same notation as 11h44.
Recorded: 7h34
